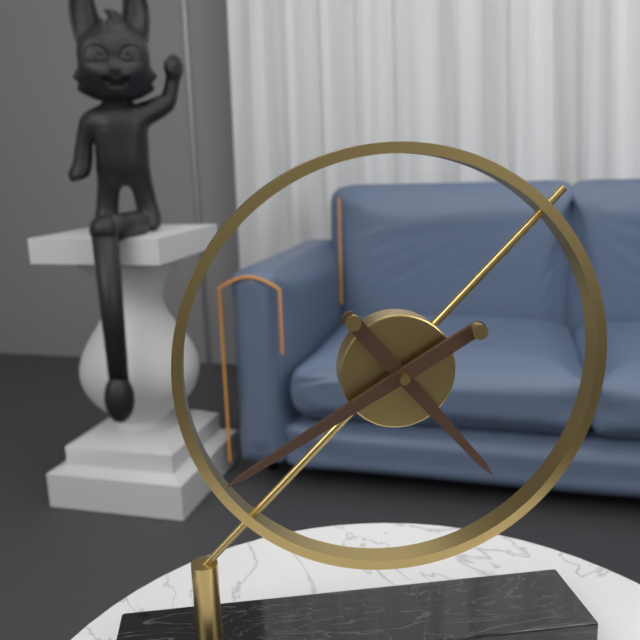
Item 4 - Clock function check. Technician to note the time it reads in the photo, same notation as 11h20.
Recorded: 4h40
